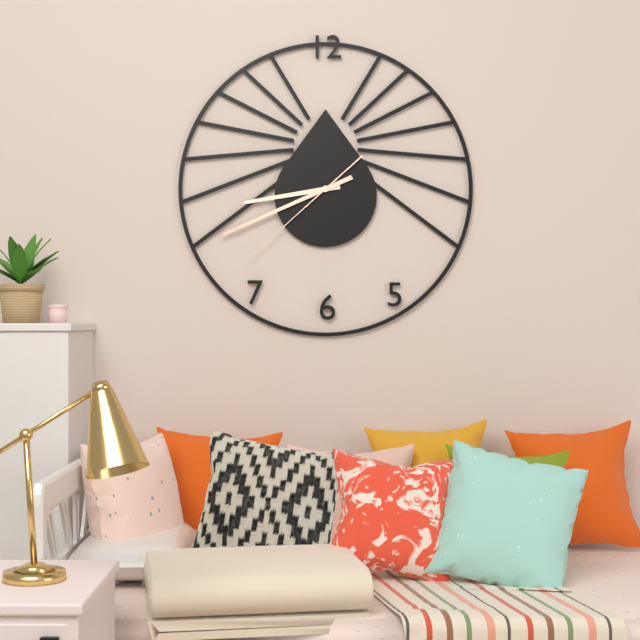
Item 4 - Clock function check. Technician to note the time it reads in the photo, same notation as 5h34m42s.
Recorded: 8h41m38s
